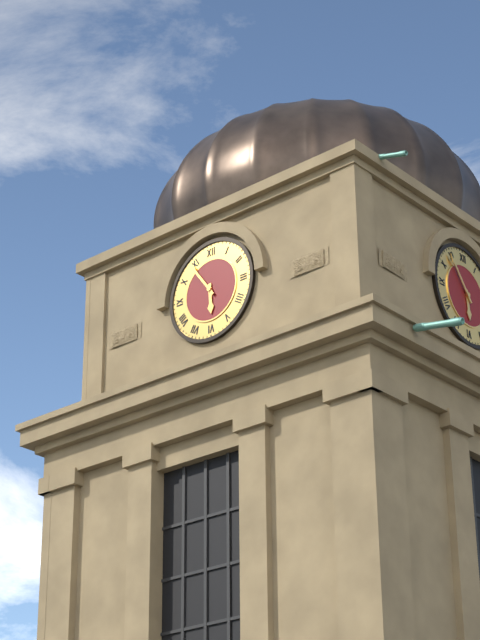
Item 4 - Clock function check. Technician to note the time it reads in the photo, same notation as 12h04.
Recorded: 5h54
